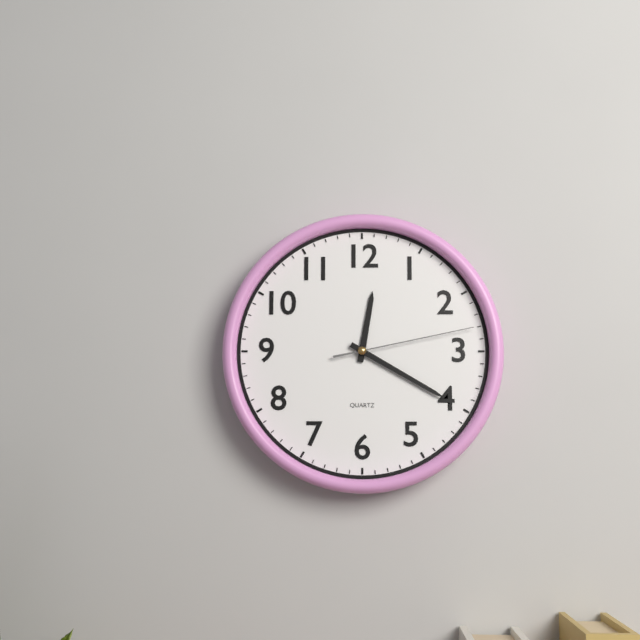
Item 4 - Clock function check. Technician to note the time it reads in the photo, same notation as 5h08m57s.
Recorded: 12h20m13s
